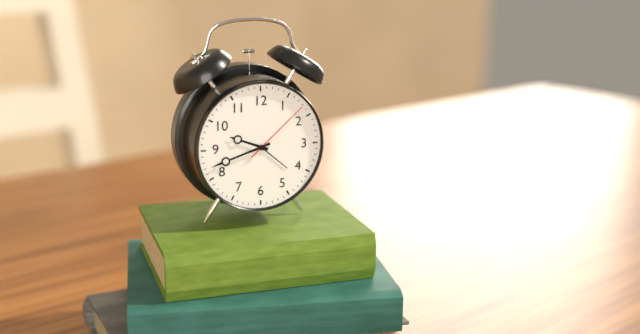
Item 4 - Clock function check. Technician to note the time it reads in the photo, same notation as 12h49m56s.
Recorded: 9h42m08s
